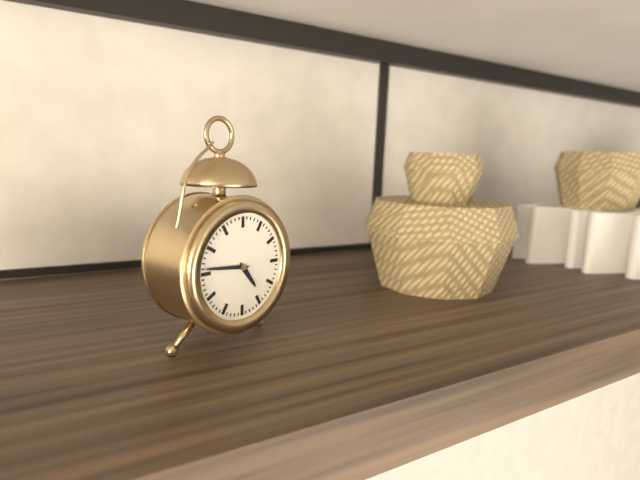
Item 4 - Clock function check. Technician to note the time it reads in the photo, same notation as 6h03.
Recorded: 4h46
